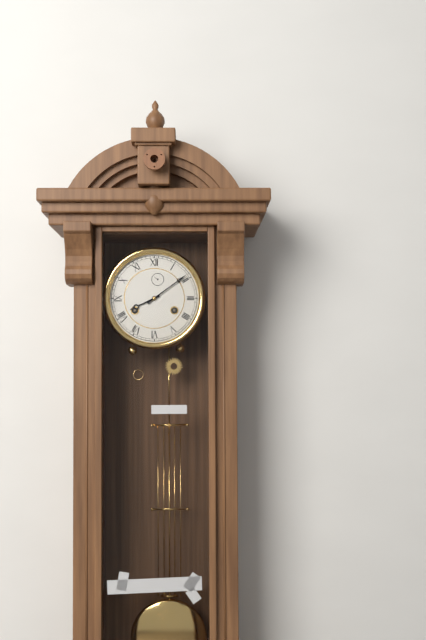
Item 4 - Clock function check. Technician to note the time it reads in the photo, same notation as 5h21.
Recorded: 8h09
